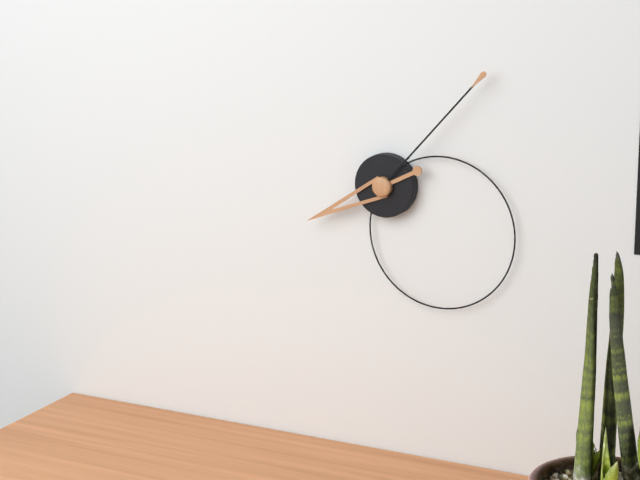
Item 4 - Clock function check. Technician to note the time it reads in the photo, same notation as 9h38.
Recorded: 8h07
